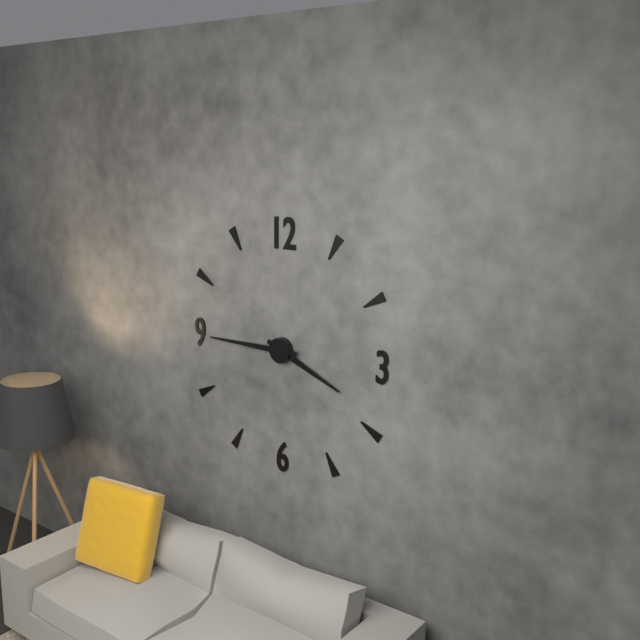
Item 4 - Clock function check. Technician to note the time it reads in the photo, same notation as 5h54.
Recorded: 3h45
